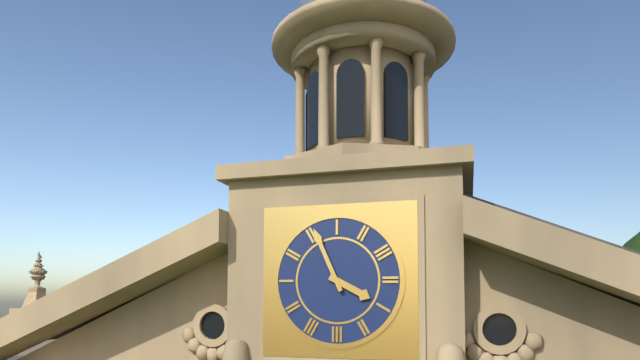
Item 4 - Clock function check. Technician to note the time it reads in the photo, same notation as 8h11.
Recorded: 3h56
